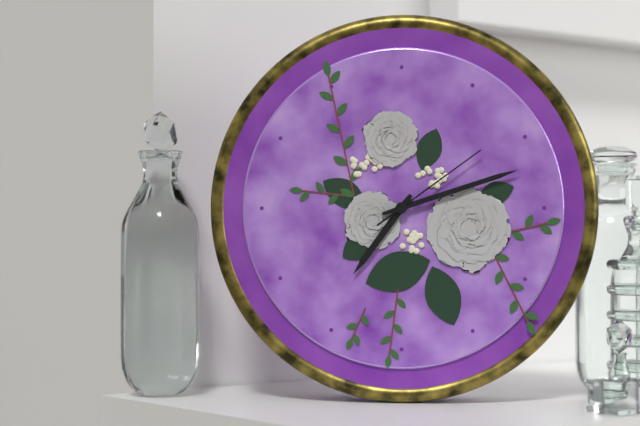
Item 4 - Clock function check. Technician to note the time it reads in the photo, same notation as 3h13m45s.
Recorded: 7h12m09s
